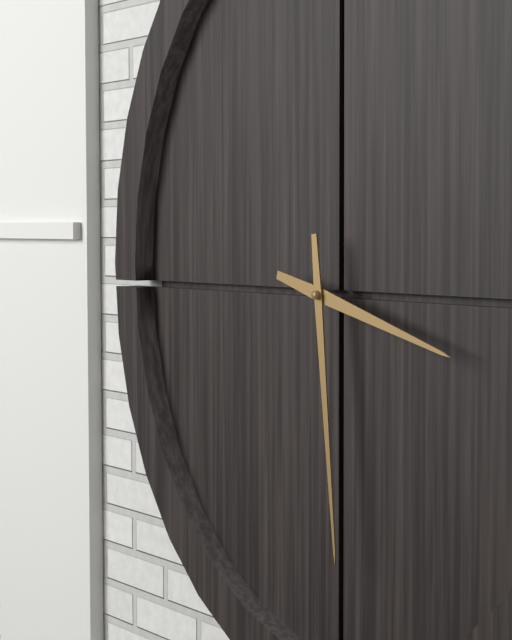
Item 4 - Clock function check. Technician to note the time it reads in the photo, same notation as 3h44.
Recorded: 3h29
